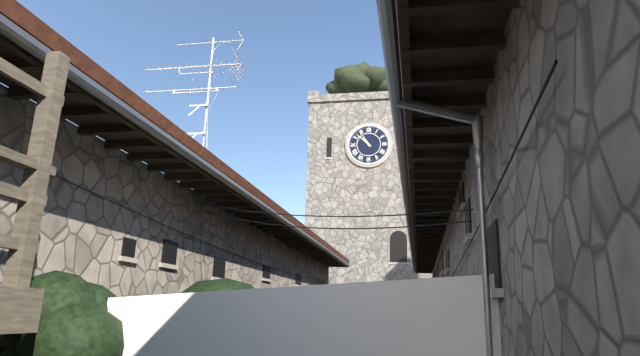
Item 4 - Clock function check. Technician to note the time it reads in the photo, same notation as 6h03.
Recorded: 10h52
